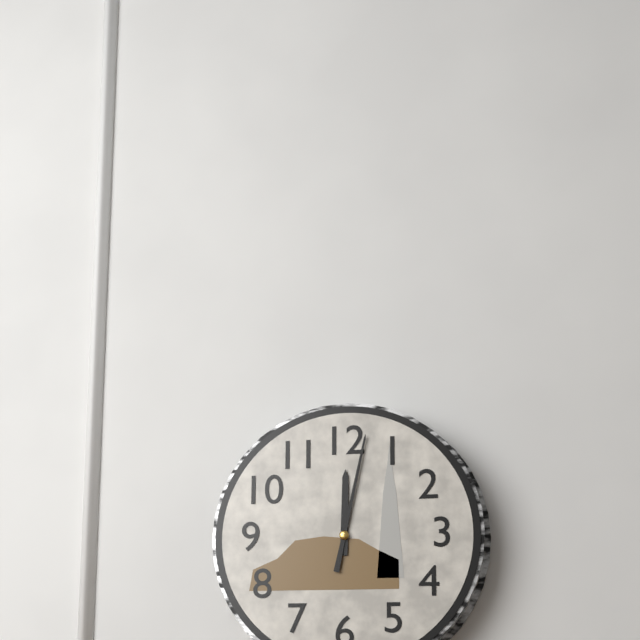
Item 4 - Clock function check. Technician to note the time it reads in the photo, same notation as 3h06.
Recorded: 12h02
